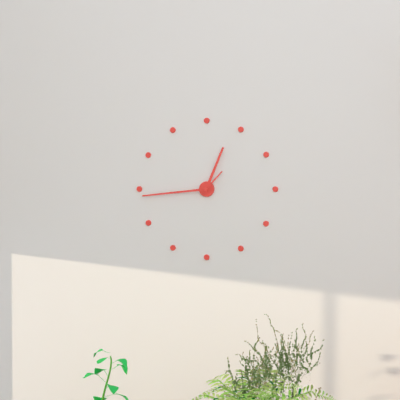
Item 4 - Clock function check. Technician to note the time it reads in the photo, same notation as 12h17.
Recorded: 12h44
